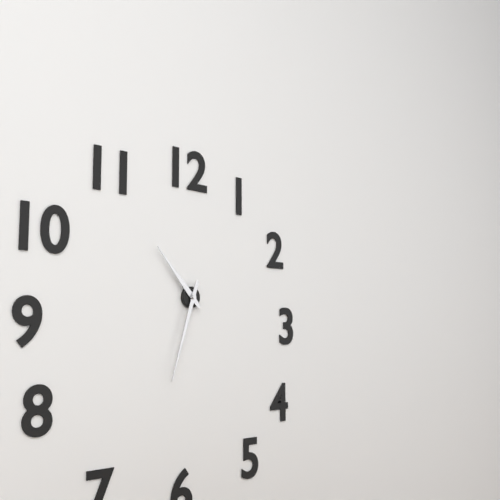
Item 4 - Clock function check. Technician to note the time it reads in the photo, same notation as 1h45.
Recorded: 10h33
